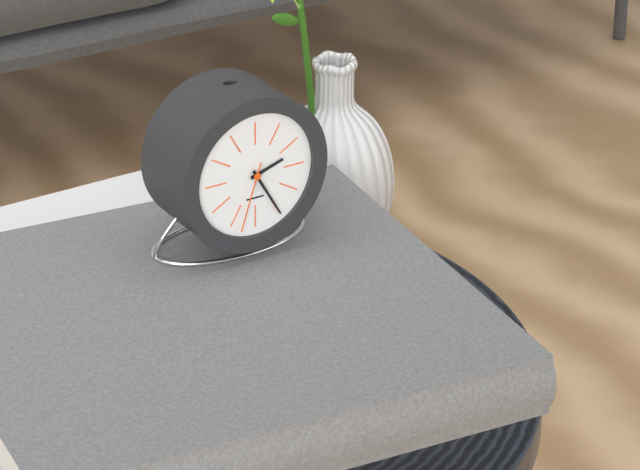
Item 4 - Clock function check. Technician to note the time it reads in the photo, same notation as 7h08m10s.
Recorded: 2h25m33s
